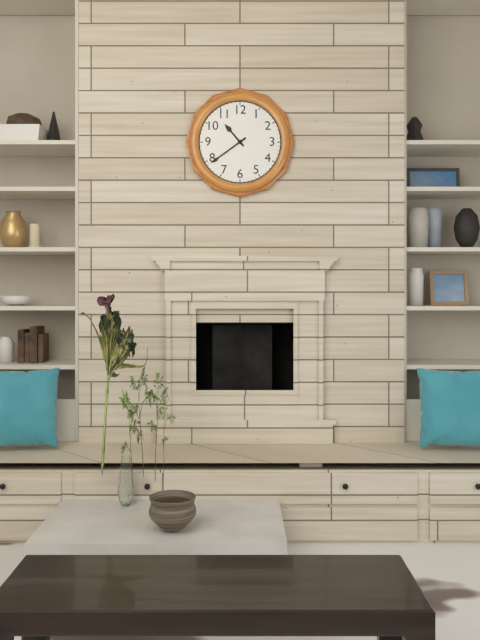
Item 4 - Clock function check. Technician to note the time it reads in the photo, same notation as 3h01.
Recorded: 10h39
